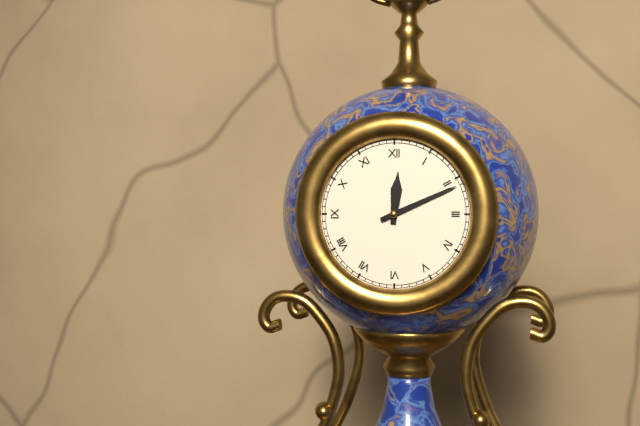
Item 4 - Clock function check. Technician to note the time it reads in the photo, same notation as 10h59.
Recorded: 12h11
